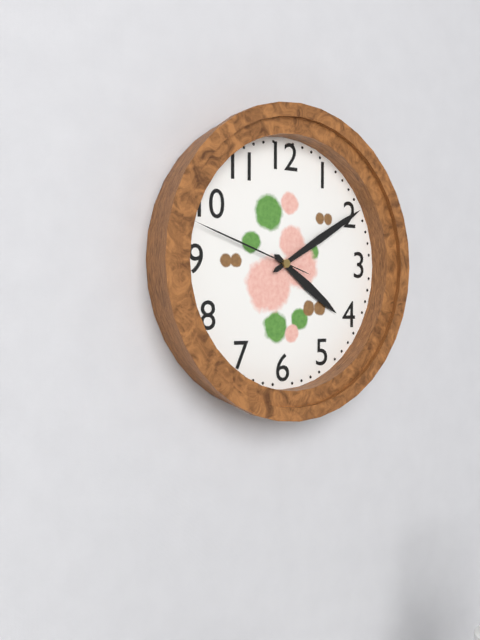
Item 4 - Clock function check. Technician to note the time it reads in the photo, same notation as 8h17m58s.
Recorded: 4h10m48s
